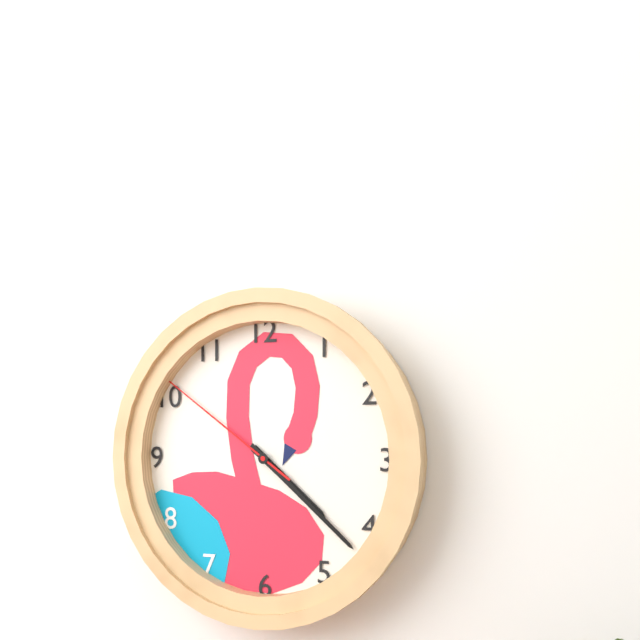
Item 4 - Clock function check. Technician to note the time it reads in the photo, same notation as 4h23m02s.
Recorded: 4h22m51s
